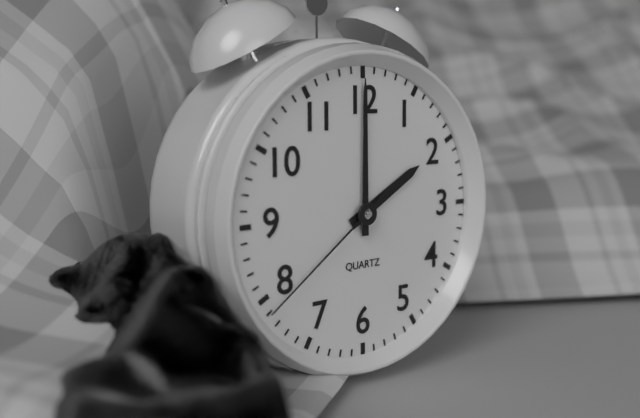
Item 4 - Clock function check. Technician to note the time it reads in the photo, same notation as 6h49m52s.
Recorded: 2h00m39s
